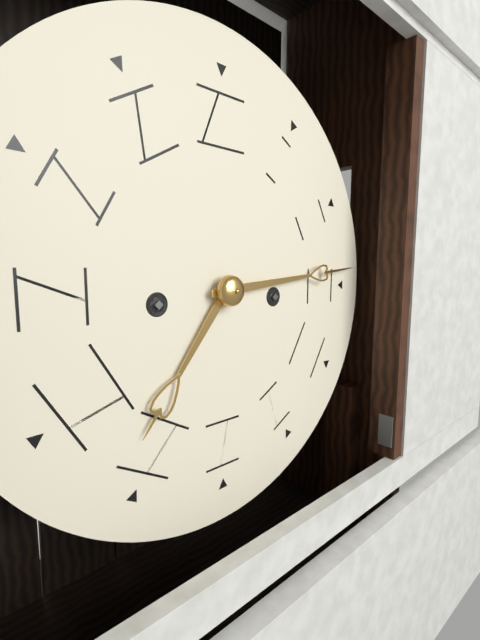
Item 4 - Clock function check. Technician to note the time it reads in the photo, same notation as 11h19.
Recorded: 7h14
